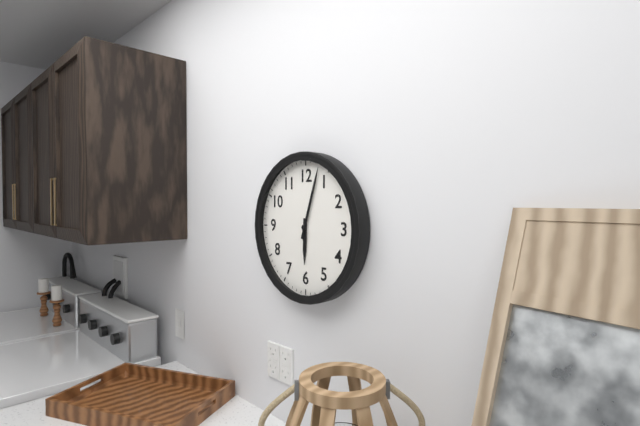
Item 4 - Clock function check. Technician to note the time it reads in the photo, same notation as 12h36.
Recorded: 6h03
